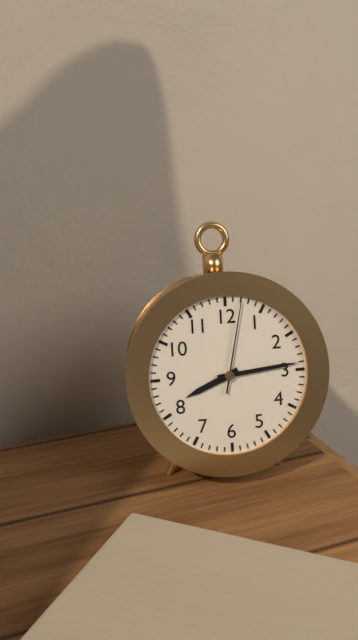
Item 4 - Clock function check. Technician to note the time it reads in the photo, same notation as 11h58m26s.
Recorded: 8h14m02s
